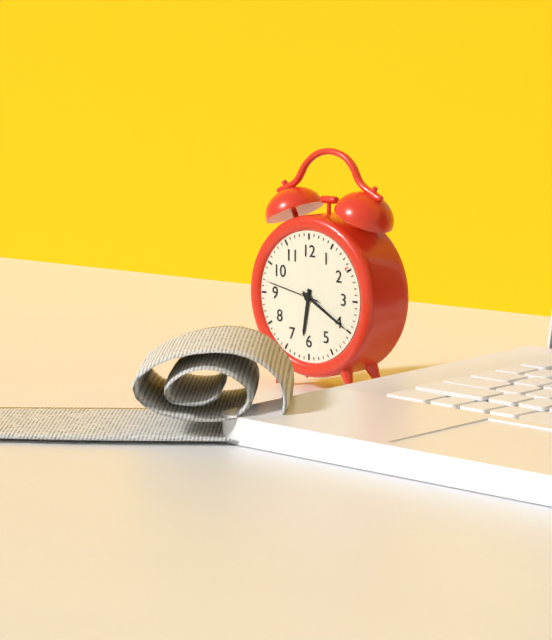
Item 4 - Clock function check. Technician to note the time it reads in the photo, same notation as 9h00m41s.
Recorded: 6h20m47s
